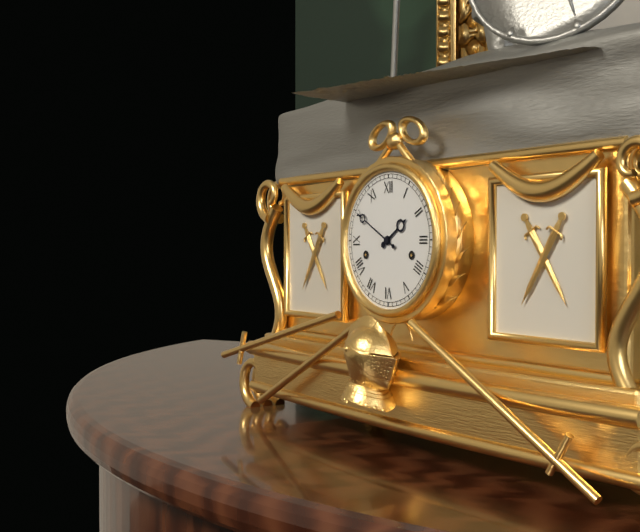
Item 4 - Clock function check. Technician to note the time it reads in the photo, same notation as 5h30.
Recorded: 1h50
